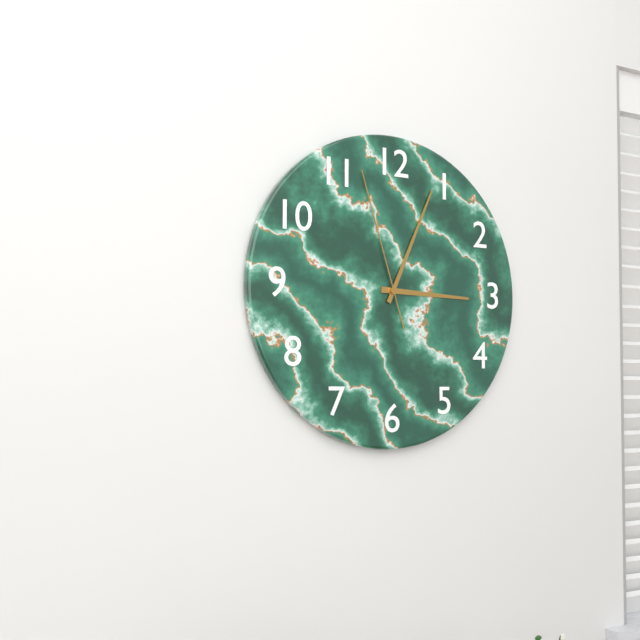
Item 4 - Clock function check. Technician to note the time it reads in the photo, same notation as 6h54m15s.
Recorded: 3h04m57s
